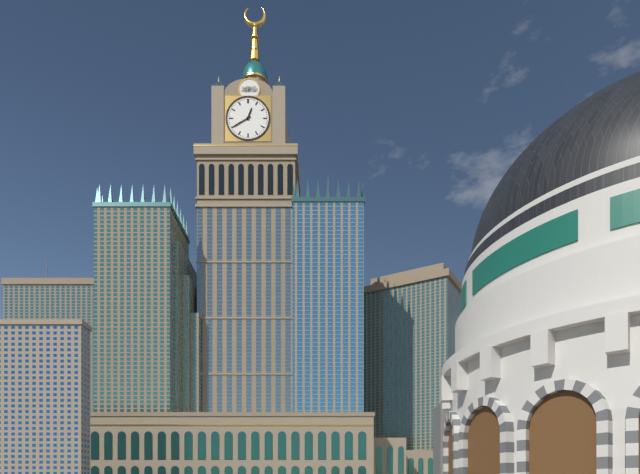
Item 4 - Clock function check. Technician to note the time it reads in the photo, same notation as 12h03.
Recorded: 12h40
